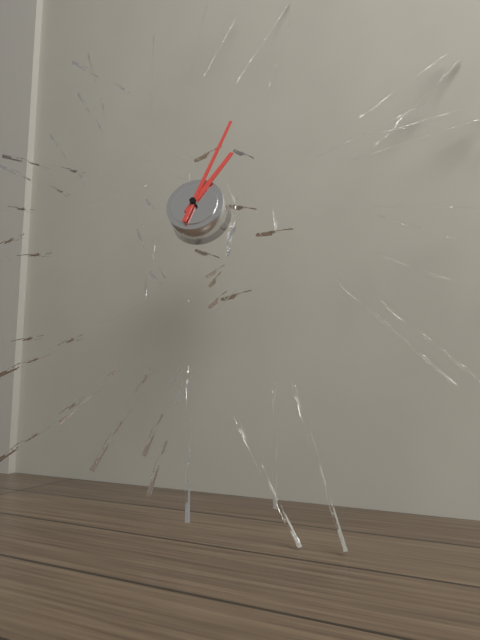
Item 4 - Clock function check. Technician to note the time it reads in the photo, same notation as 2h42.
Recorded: 1h03
